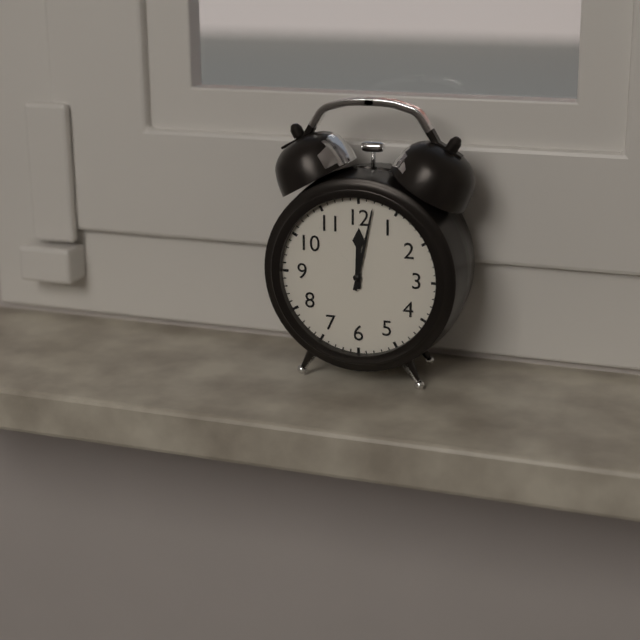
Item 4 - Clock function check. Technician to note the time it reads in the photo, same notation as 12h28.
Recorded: 12h02
